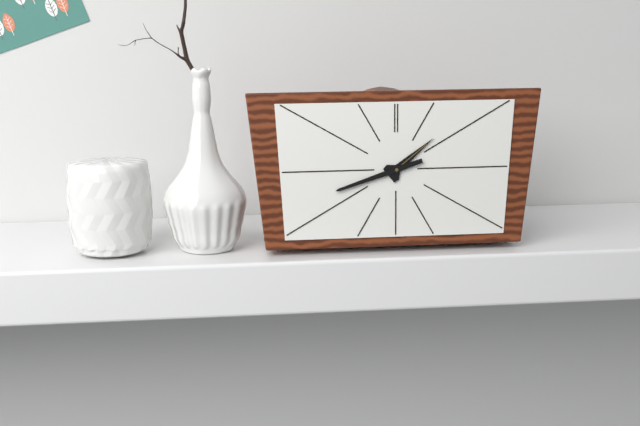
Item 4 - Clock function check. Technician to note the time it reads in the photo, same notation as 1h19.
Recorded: 1h42
